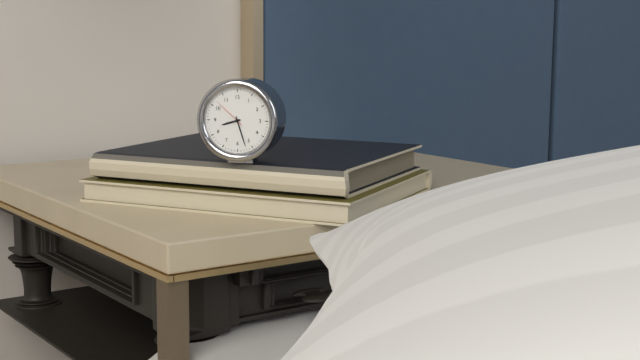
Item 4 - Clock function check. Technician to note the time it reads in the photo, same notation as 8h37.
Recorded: 8h27
